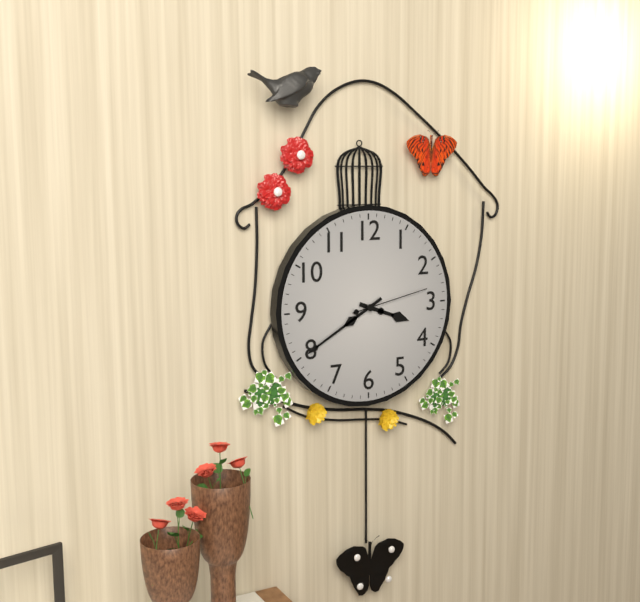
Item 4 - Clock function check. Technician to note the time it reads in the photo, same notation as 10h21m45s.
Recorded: 3h40m13s
